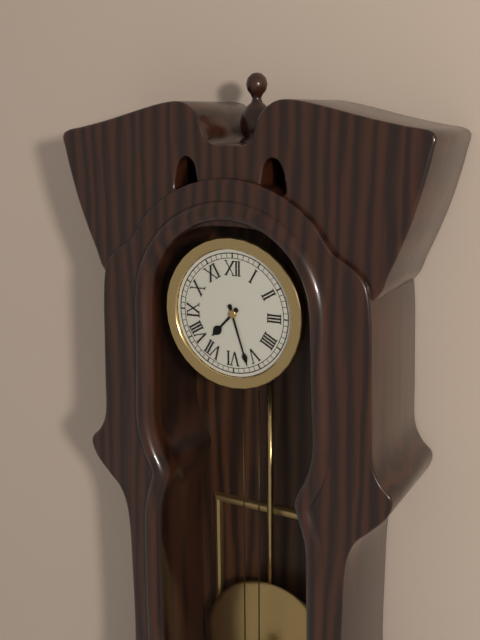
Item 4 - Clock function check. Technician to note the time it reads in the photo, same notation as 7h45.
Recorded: 7h27
